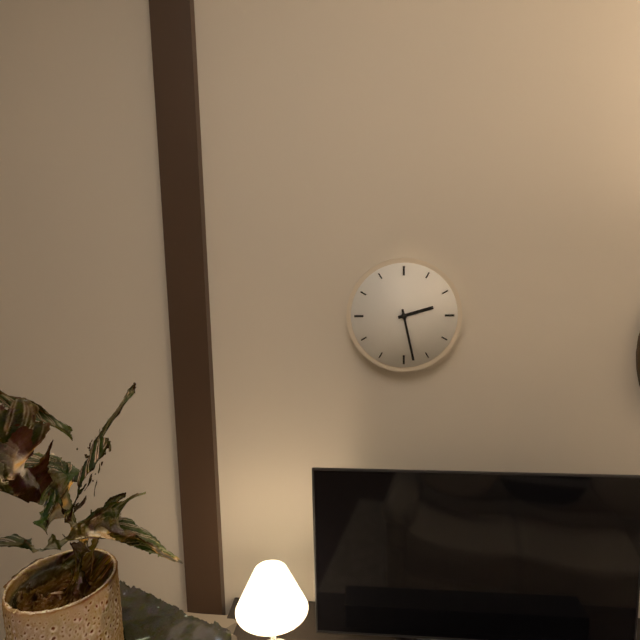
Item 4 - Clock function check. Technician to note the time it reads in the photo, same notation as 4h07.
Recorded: 2h28
